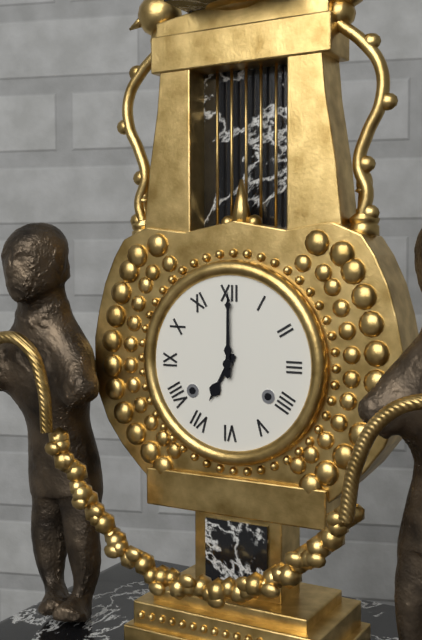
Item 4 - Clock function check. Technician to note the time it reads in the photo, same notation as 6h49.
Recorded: 7h00
